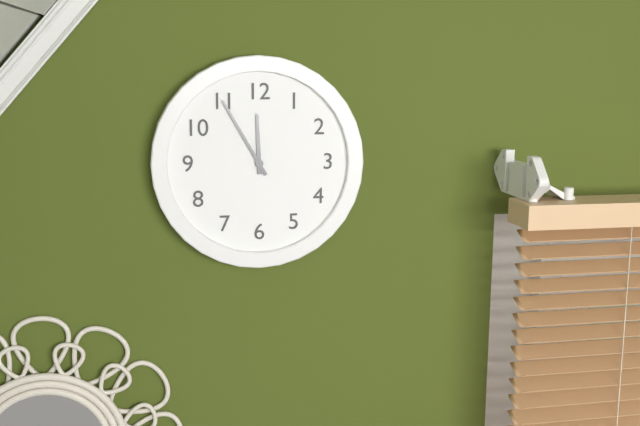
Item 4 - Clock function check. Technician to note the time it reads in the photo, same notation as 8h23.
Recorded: 11h55
